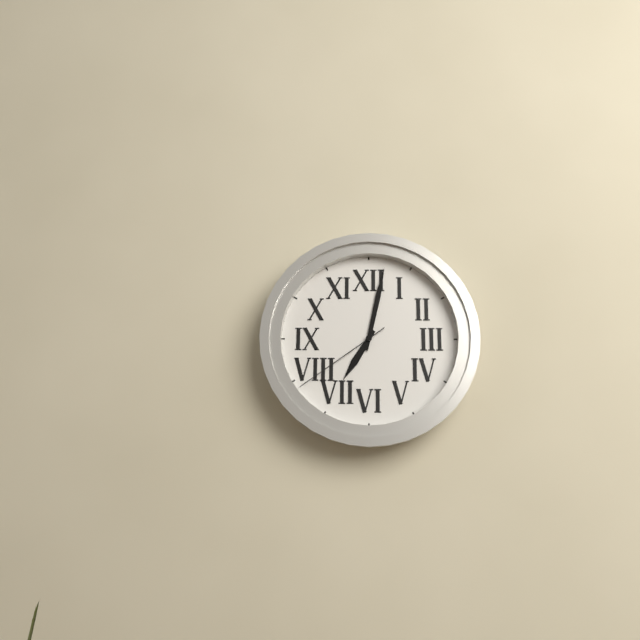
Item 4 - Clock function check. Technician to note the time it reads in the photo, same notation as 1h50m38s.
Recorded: 7h02m39s
